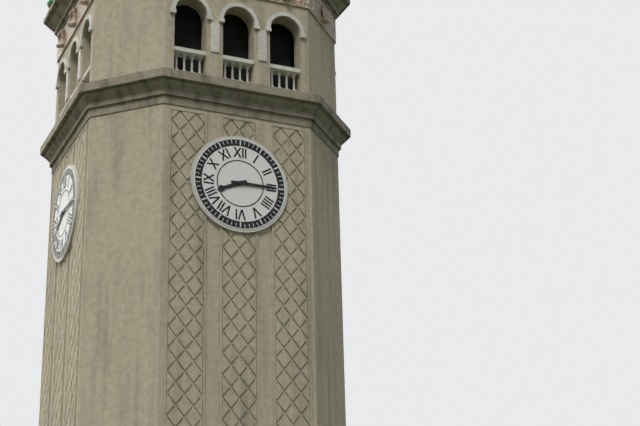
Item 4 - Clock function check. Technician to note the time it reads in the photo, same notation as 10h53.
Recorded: 8h15
